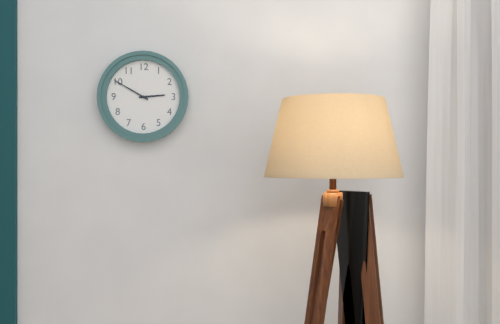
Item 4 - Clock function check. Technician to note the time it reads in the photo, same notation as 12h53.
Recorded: 2h50
